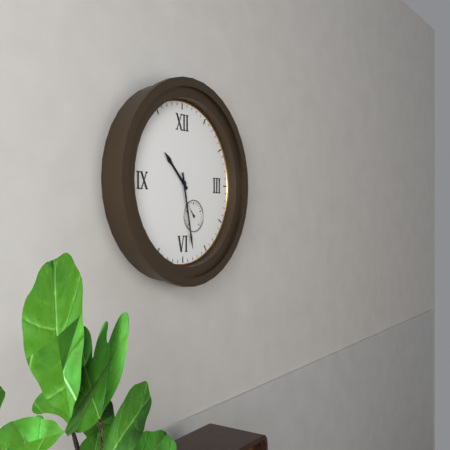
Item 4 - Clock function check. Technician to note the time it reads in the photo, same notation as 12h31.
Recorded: 10h28
